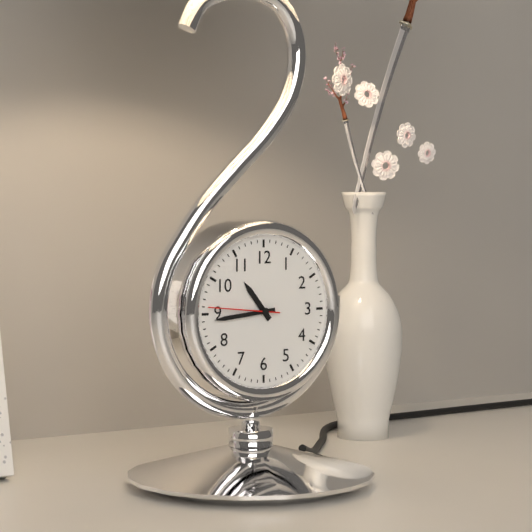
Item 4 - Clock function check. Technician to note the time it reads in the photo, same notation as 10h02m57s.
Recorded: 10h44m46s
